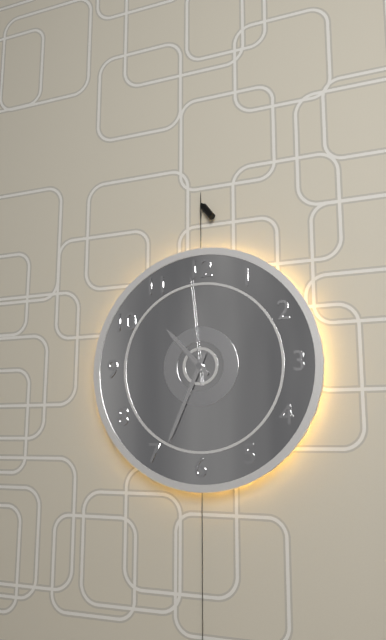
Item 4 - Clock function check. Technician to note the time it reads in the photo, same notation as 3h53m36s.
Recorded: 10h34m59s
